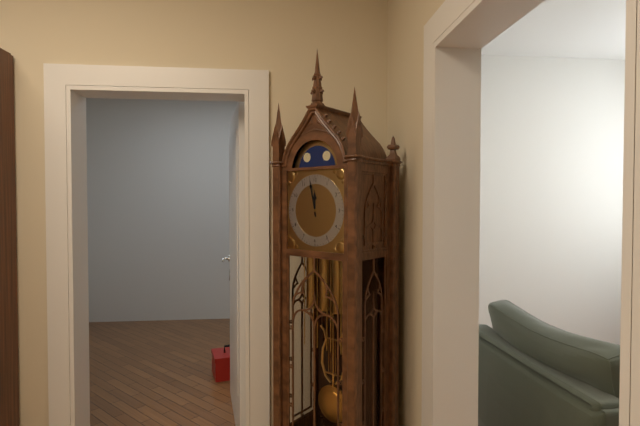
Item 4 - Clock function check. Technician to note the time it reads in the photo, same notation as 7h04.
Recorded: 11h58
